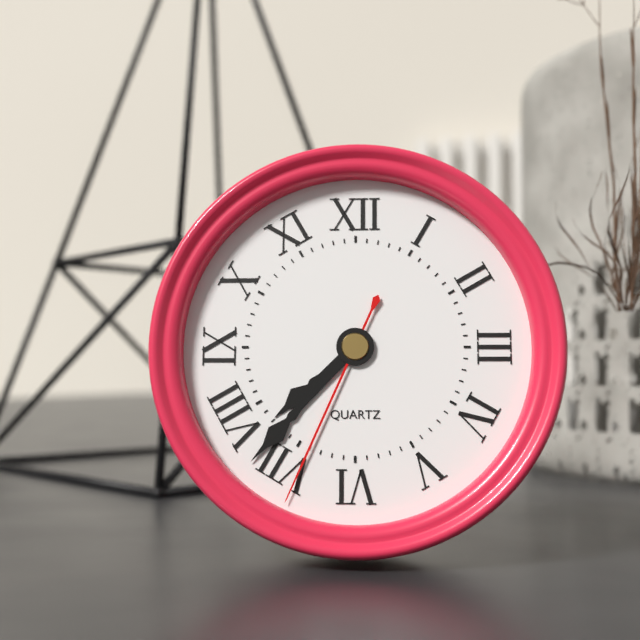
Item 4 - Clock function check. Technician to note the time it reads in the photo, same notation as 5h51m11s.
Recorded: 7h37m34s
